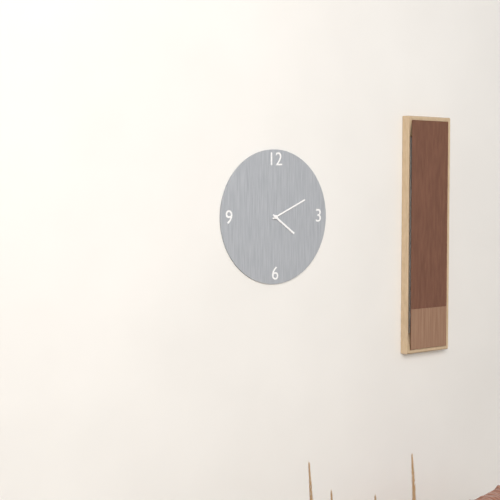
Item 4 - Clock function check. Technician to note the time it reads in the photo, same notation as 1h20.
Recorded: 4h11
